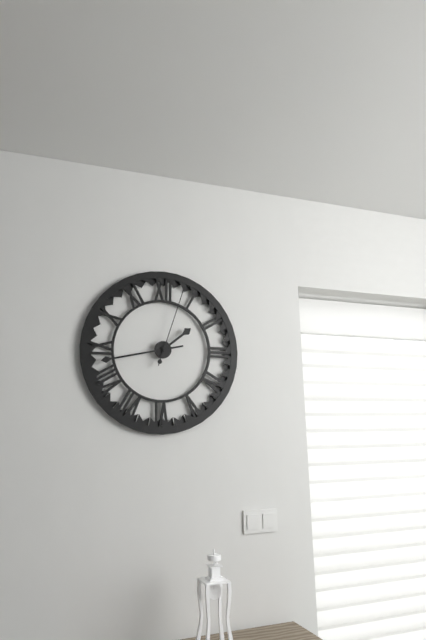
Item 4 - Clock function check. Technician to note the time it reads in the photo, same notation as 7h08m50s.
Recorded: 1h43m03s
